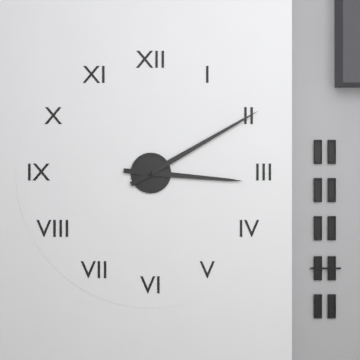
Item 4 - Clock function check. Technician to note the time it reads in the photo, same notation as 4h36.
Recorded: 3h10
